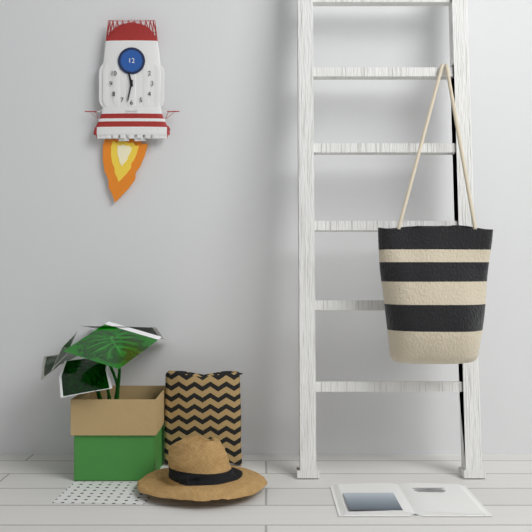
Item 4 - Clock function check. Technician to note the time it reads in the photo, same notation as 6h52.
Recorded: 11h32
